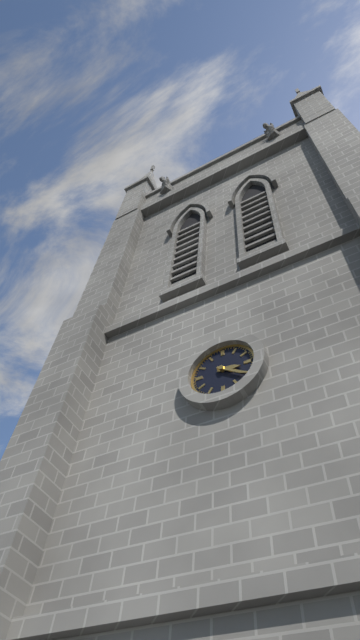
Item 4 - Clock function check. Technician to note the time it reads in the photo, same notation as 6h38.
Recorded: 3h21
